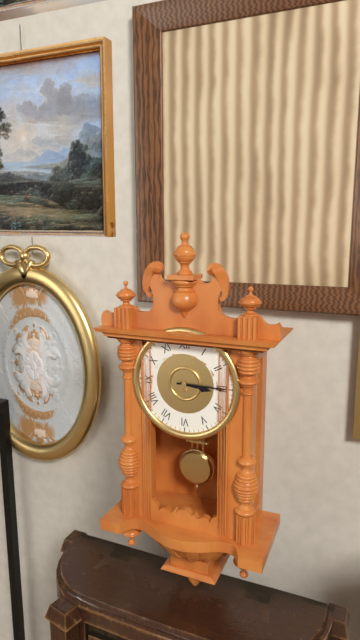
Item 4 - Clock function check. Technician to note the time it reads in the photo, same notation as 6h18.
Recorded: 3h15
